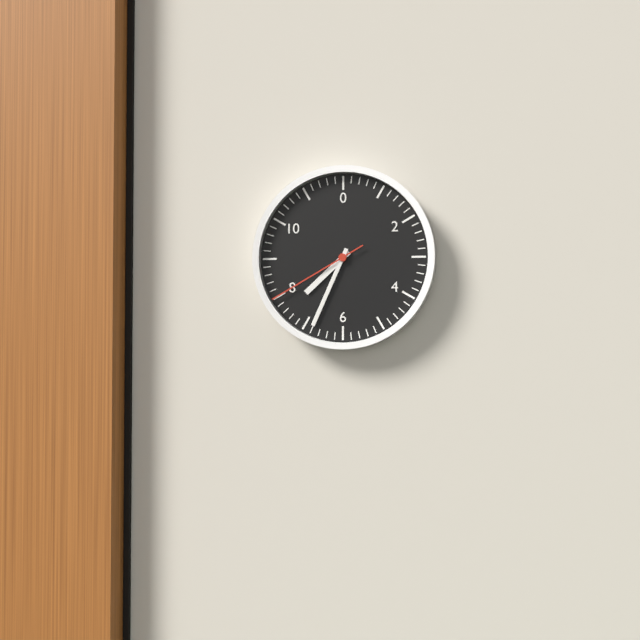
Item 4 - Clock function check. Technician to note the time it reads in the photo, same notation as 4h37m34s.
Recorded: 7h34m40s
